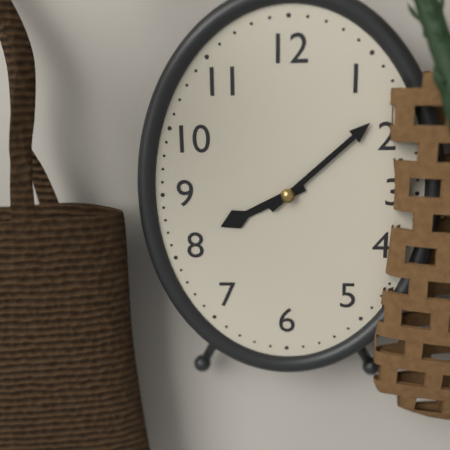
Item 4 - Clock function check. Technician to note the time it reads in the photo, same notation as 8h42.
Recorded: 8h08
